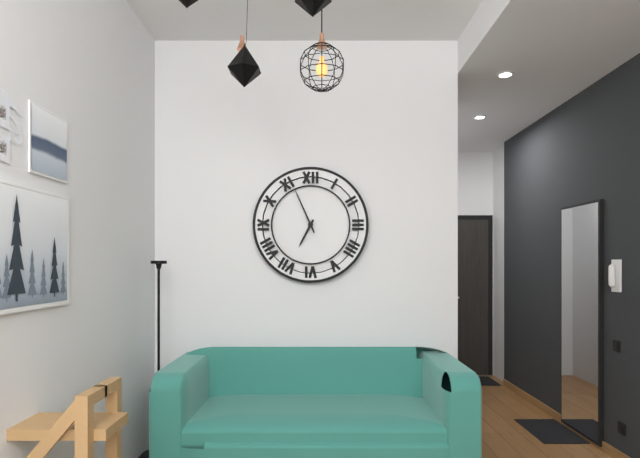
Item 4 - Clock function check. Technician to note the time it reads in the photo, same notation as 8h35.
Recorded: 6h56
